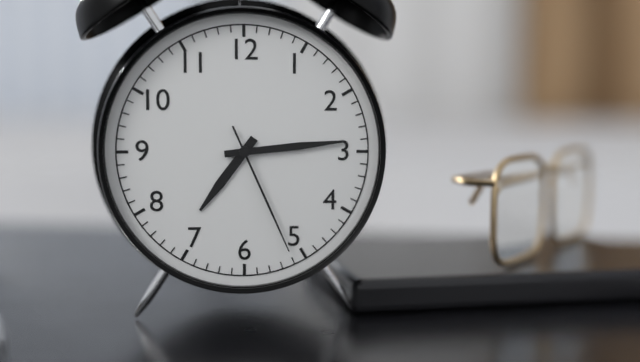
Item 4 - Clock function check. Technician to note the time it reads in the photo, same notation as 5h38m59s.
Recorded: 7h14m26s
